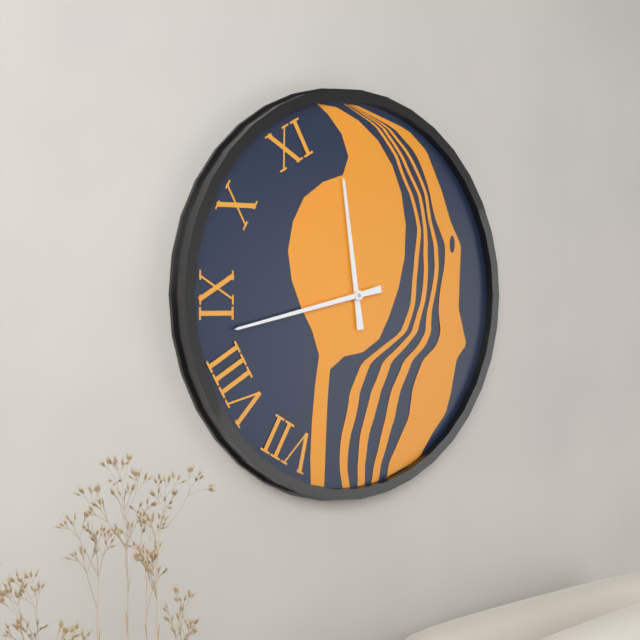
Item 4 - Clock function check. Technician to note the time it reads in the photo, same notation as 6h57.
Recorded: 11h43
